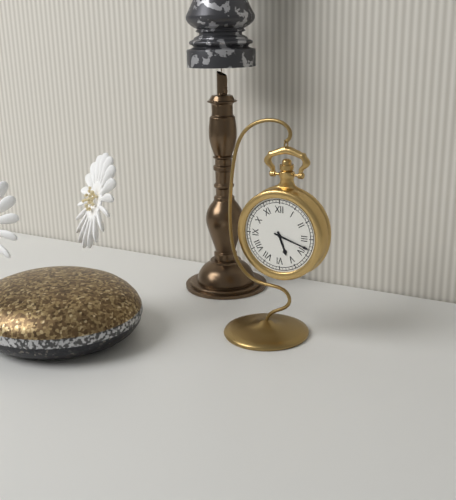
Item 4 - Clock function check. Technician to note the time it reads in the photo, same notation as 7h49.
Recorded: 5h18
